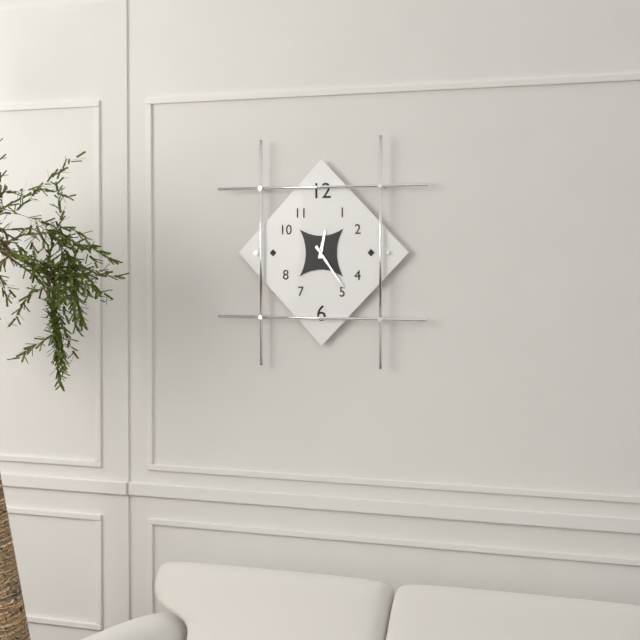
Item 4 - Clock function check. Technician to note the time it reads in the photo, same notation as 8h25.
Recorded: 12h24
